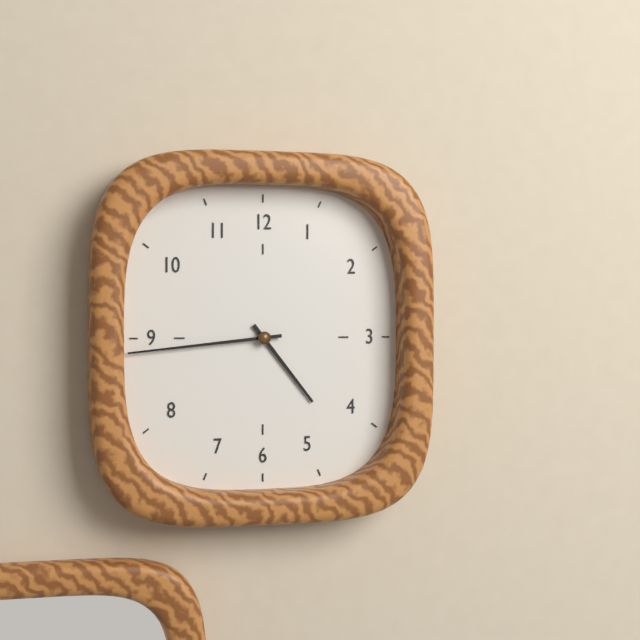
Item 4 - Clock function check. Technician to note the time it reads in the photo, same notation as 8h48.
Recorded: 4h44
